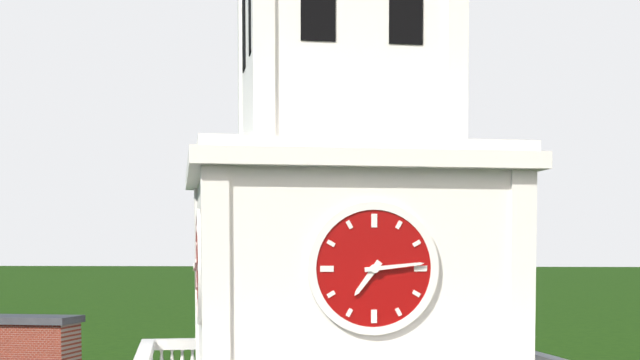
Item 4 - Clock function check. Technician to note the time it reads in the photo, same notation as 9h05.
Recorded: 7h14
